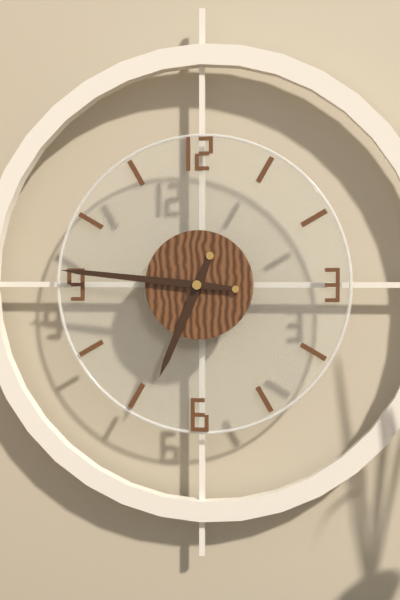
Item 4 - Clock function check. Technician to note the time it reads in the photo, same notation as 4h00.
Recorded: 6h46
